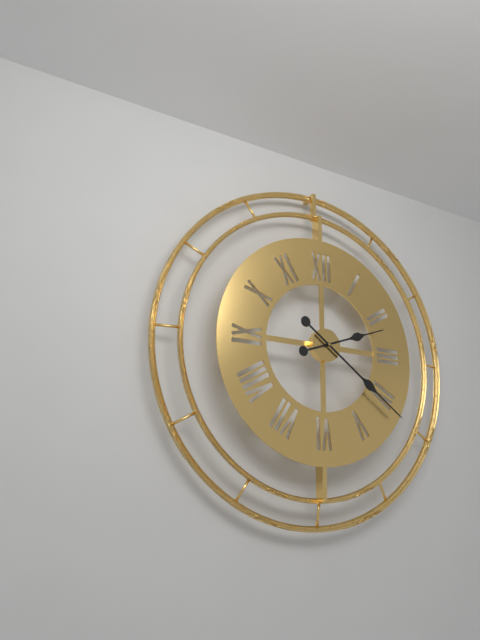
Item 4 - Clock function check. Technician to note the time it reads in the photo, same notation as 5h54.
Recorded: 2h21
